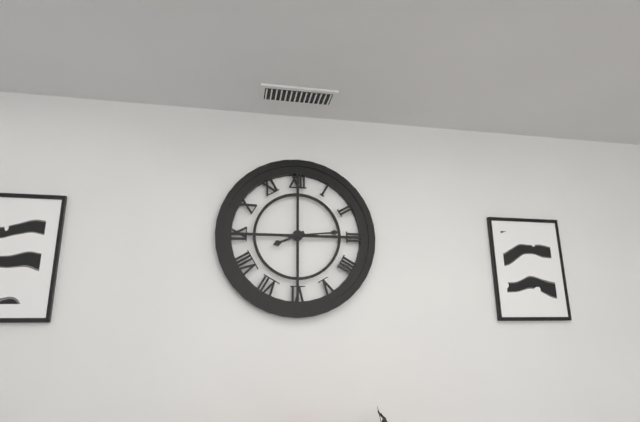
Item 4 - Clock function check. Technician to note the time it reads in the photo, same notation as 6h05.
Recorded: 8h14
